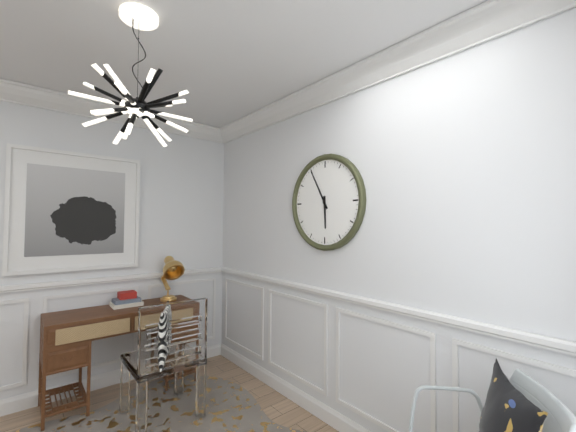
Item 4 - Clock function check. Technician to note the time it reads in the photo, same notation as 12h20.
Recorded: 5h55
